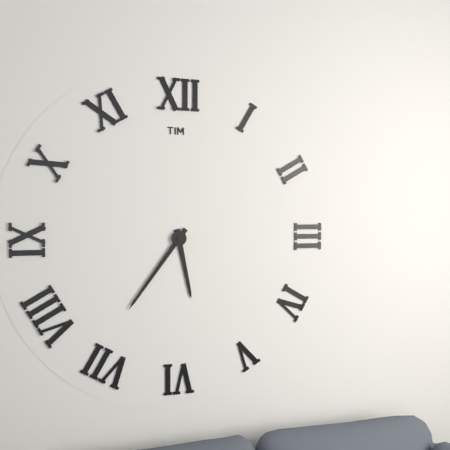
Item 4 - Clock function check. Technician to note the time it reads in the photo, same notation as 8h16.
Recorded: 5h36
